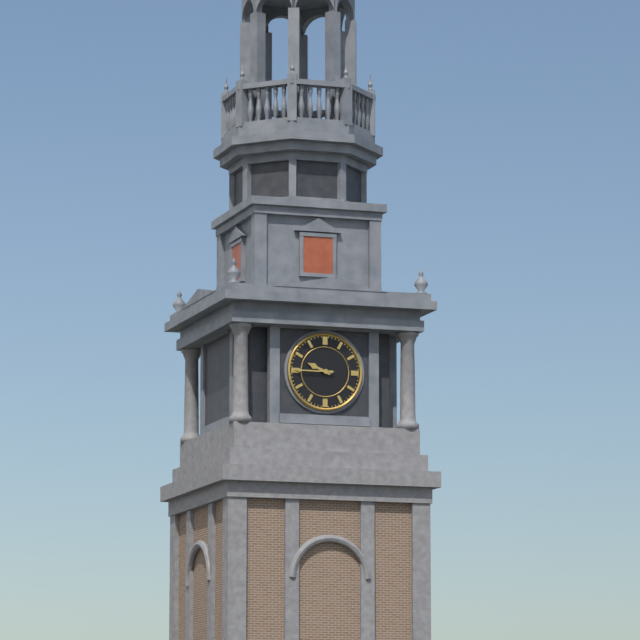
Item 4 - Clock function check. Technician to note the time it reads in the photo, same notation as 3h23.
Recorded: 9h45
